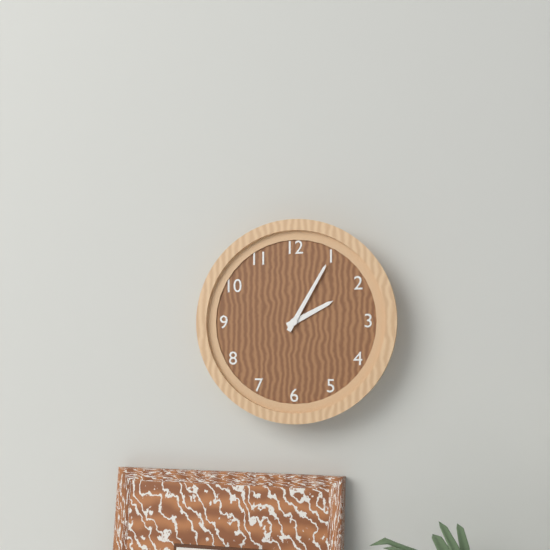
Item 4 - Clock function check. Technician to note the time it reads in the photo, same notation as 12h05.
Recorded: 2h05
